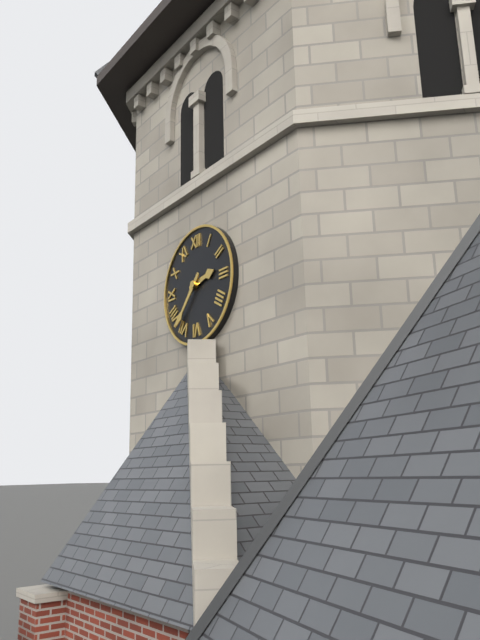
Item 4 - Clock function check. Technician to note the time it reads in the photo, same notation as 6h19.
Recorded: 2h37
